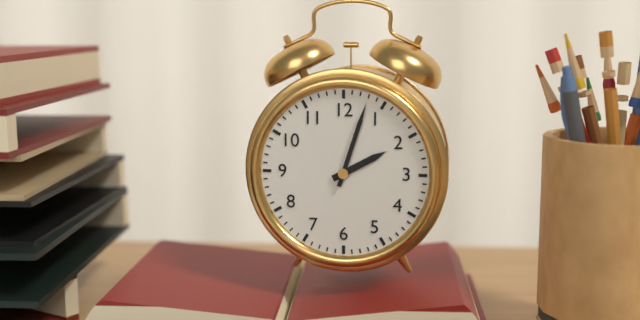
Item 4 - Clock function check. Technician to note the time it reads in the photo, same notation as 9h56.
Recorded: 2h03
